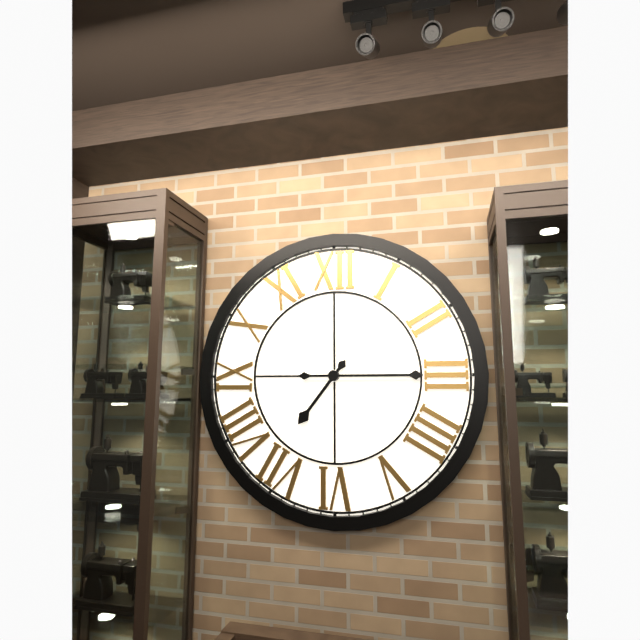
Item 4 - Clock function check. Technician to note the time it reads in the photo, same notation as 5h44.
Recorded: 7h15
